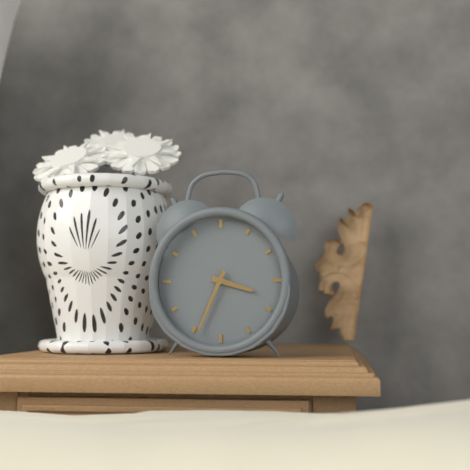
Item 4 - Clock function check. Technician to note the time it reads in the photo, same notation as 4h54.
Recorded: 3h34
